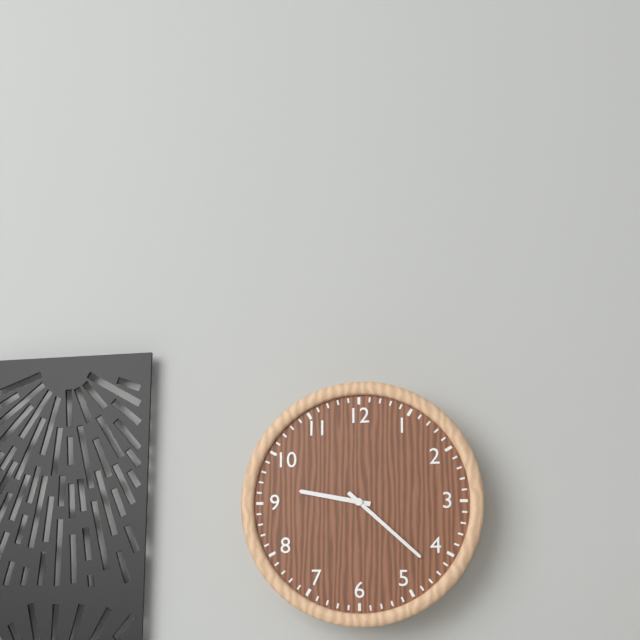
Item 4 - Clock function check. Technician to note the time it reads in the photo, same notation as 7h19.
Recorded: 9h22
